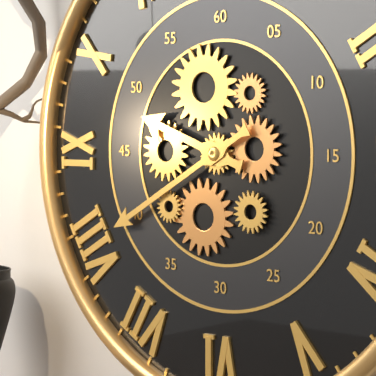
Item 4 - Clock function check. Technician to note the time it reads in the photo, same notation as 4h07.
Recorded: 9h40
